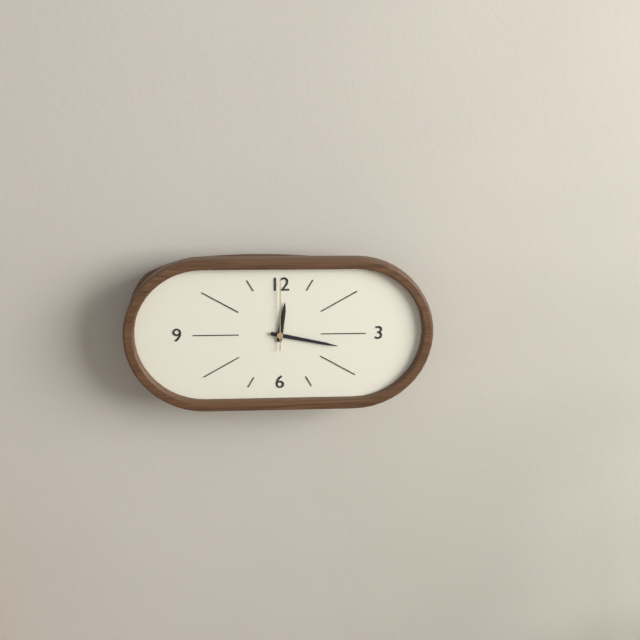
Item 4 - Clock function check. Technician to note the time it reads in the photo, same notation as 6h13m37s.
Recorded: 12h17m00s
